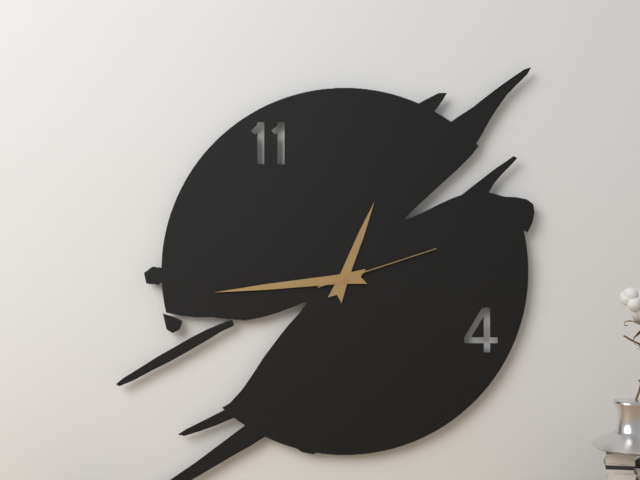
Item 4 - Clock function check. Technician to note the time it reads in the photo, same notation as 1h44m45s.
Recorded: 12h44m12s
